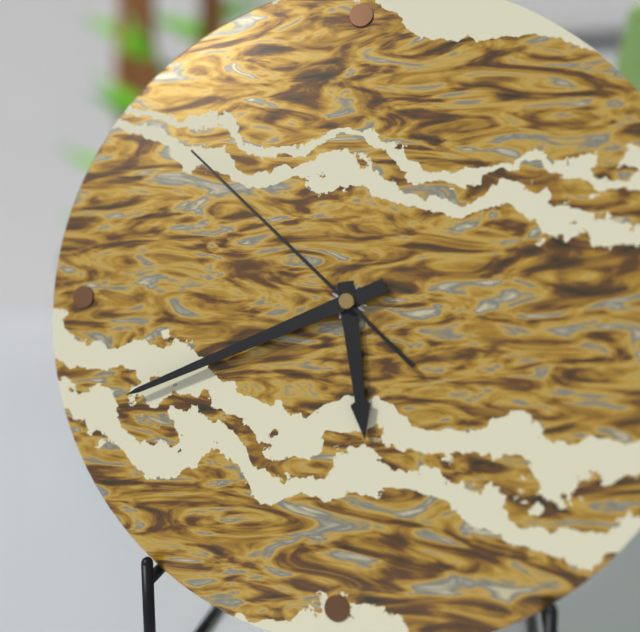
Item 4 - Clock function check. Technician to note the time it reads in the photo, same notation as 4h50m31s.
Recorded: 5h41m52s
